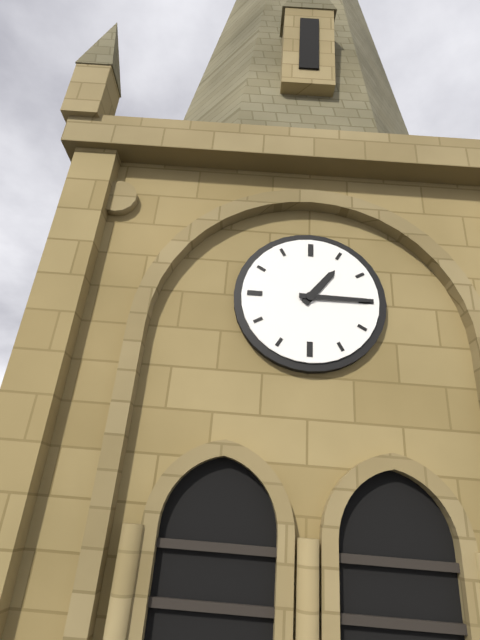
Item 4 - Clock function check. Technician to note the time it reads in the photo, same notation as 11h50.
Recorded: 1h15
